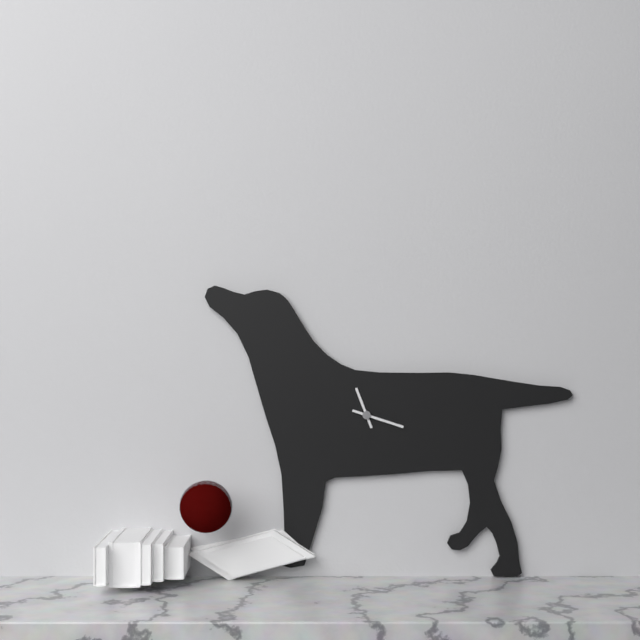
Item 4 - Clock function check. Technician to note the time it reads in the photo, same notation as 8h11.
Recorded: 11h18
